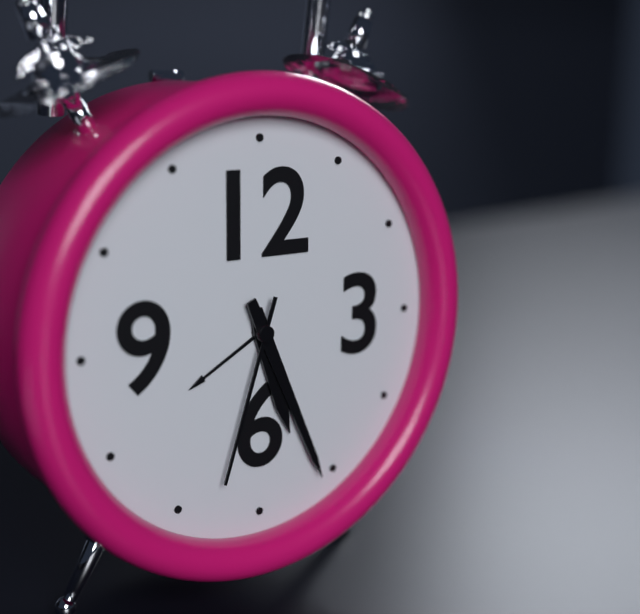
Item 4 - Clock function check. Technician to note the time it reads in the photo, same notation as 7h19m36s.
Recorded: 5h26m33s
